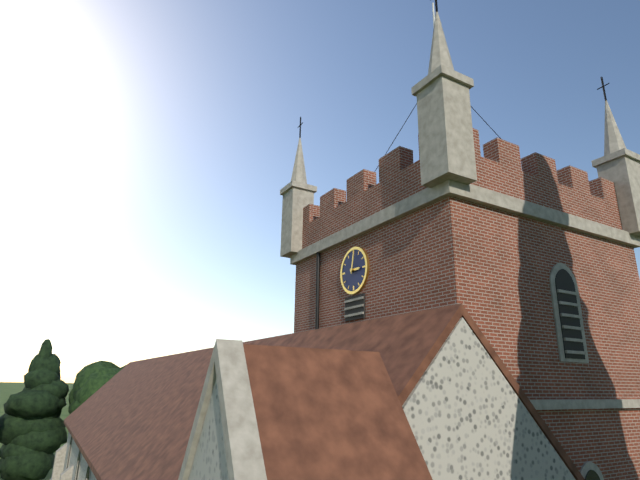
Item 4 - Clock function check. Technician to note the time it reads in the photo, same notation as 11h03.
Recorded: 3h02
